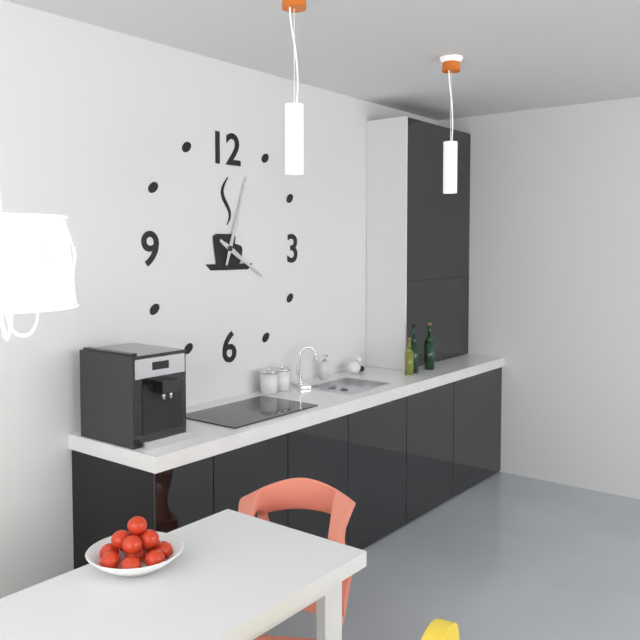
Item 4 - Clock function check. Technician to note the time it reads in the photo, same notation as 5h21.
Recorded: 4h03
